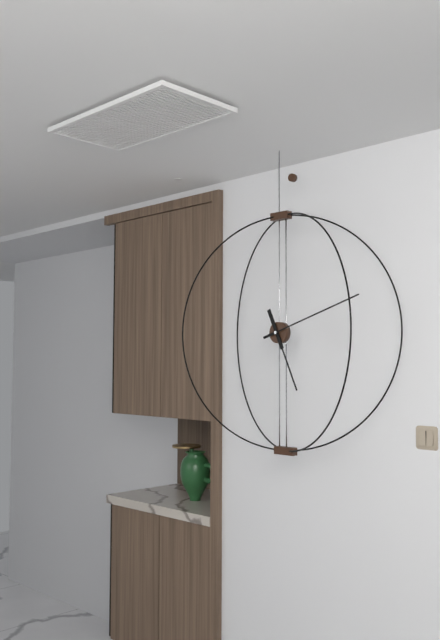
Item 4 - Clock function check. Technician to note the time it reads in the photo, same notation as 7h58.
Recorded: 5h12
